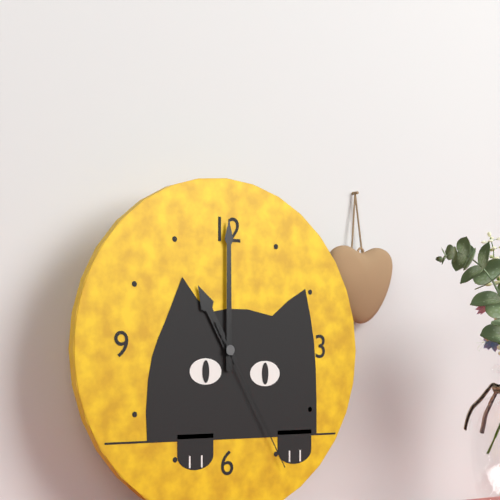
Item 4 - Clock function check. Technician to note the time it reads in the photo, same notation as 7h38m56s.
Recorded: 11h00m25s
